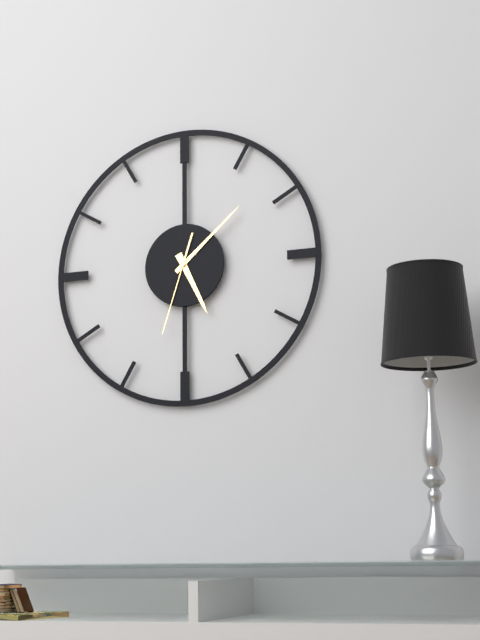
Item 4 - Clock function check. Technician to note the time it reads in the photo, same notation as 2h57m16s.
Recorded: 5h08m33s
